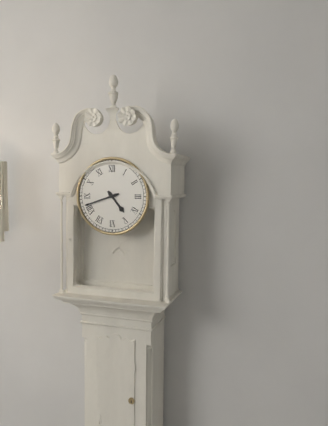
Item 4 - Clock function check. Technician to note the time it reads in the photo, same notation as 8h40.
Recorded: 4h42
